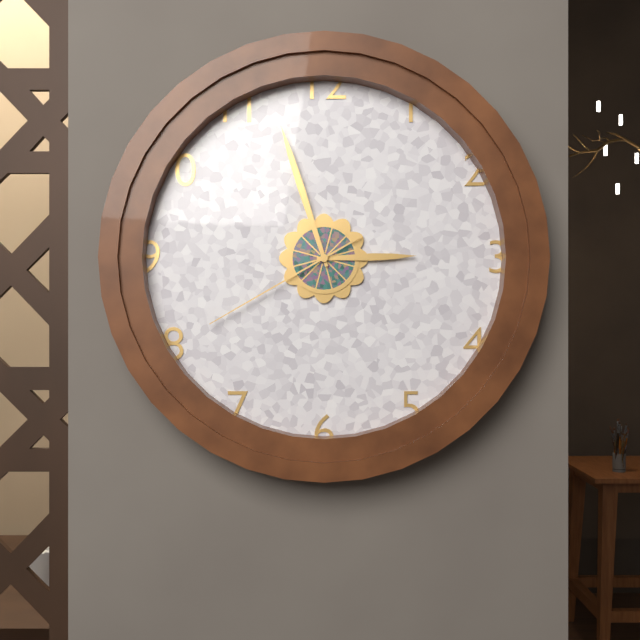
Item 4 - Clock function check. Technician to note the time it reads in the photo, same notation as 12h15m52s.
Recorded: 2h57m40s
